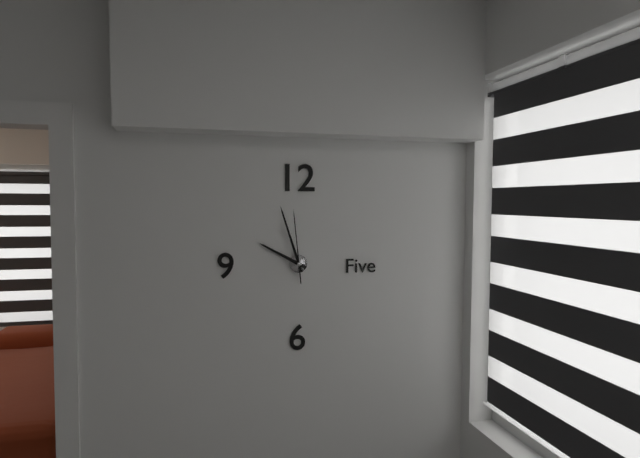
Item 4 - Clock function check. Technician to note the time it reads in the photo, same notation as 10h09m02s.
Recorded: 9h57m59s
